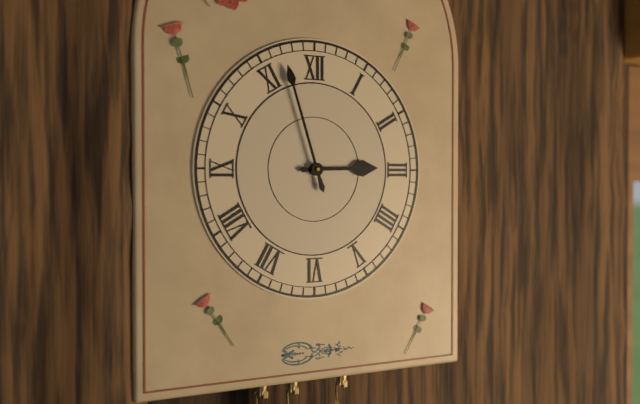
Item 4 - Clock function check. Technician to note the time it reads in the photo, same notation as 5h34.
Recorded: 2h57
